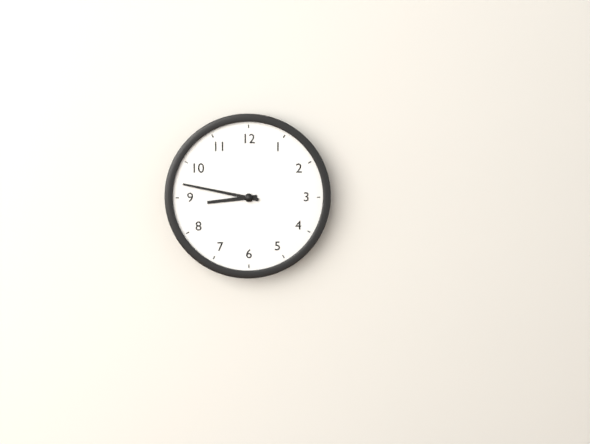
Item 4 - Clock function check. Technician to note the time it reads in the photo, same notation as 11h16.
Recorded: 8h47
